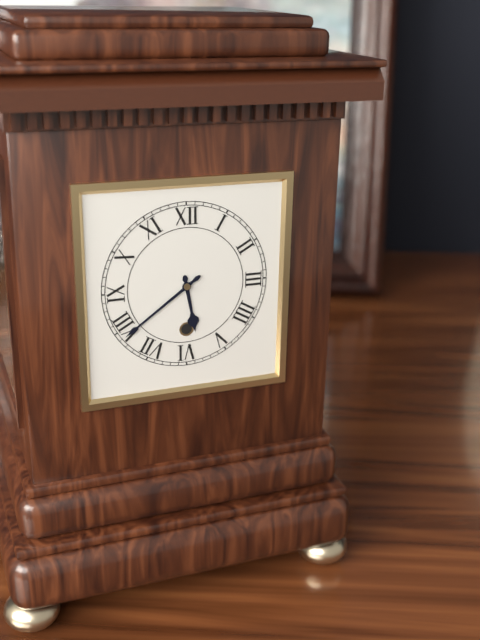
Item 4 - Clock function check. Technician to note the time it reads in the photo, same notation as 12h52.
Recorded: 5h39
